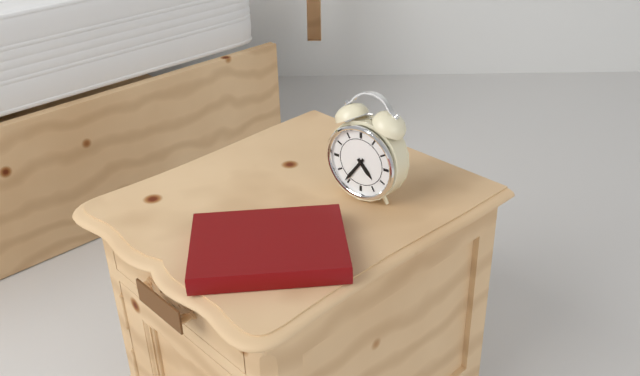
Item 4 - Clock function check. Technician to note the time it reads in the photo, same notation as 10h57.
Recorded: 4h36
